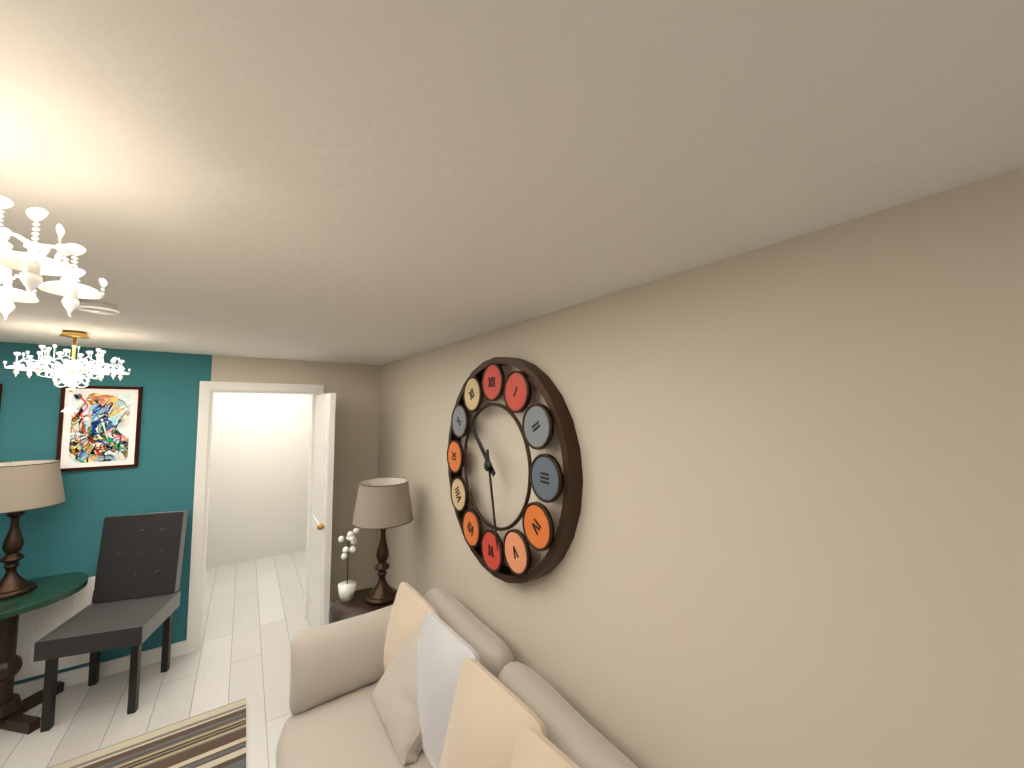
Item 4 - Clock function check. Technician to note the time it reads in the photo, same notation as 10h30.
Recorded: 10h28
